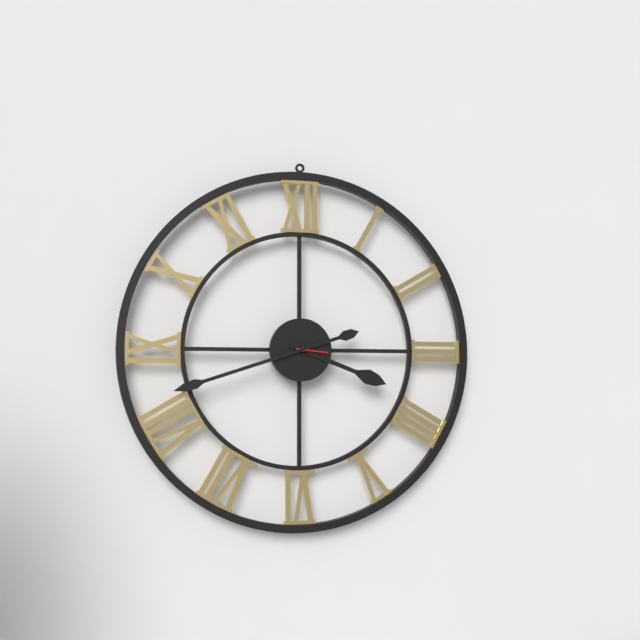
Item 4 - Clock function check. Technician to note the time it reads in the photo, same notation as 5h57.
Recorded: 3h42
